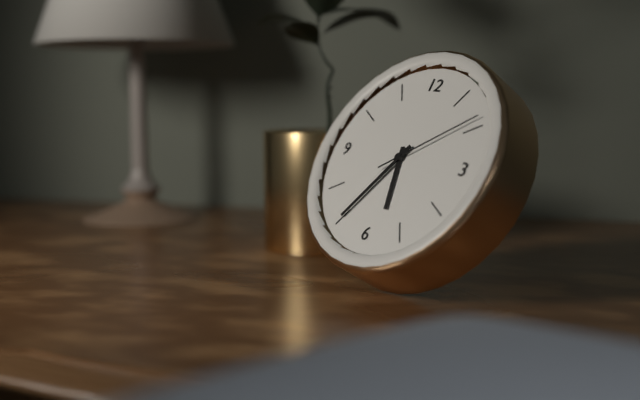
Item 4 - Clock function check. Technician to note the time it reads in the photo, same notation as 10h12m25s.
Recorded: 5h35m09s
